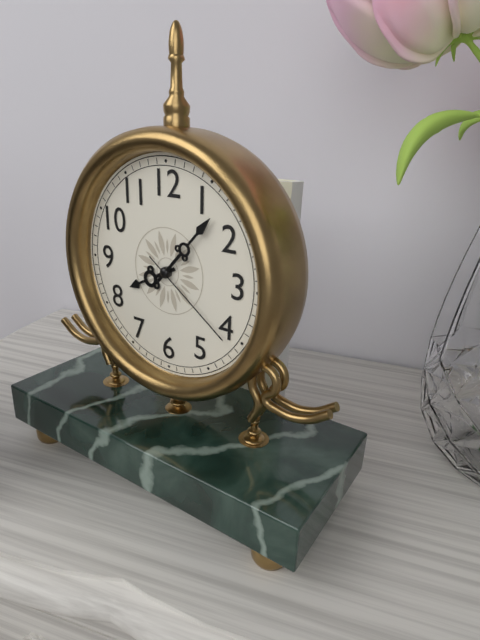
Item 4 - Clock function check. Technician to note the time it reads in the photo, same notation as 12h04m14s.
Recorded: 8h07m21s
